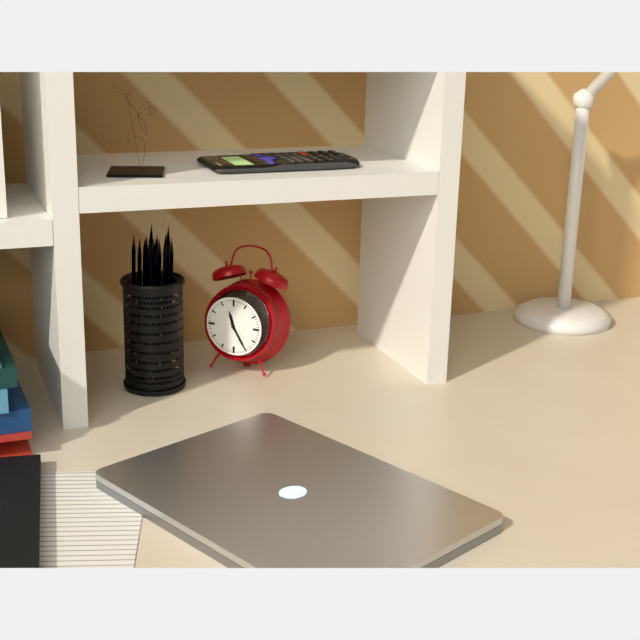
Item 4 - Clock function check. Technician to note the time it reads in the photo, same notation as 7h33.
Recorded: 11h25
